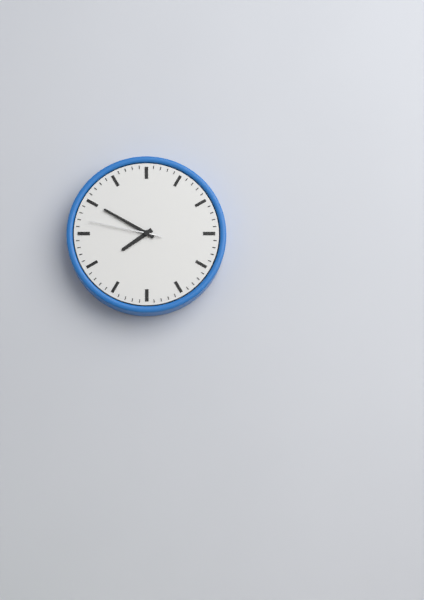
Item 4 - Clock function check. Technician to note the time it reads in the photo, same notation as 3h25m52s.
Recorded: 7h50m47s
